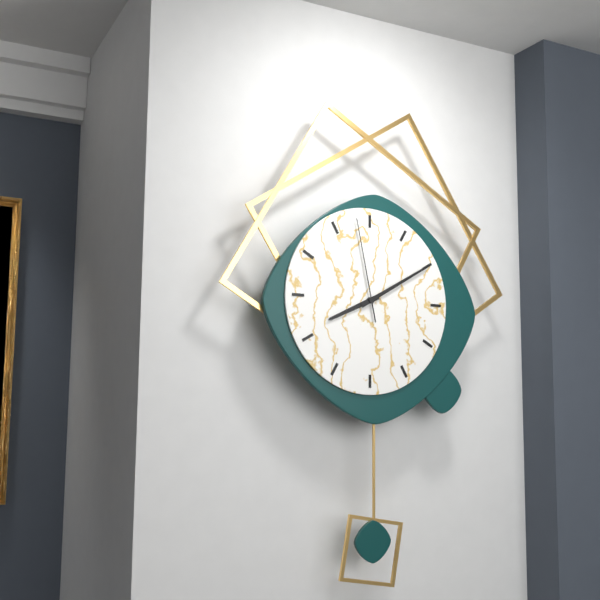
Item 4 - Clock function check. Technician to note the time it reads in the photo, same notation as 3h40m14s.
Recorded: 8h10m58s
